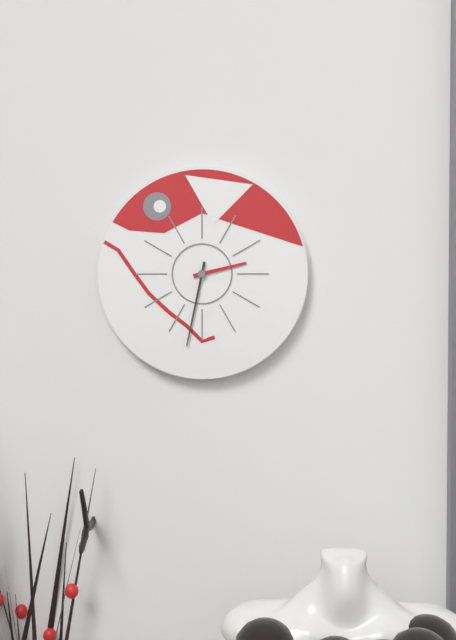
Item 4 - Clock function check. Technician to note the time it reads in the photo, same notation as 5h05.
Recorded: 2h32
